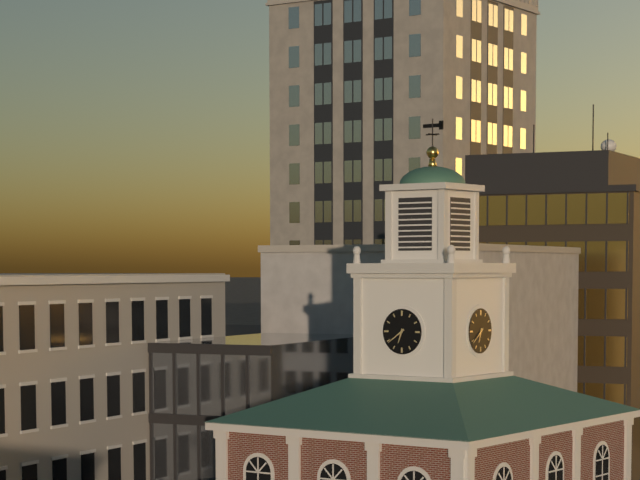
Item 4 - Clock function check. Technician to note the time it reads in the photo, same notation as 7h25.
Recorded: 6h39
